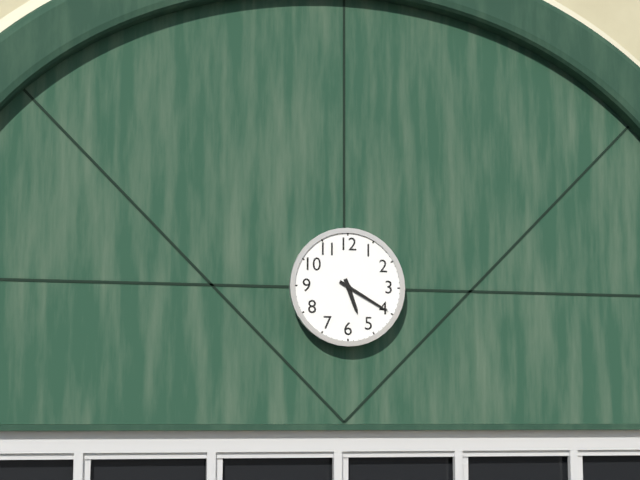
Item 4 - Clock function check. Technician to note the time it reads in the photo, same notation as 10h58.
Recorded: 5h20
